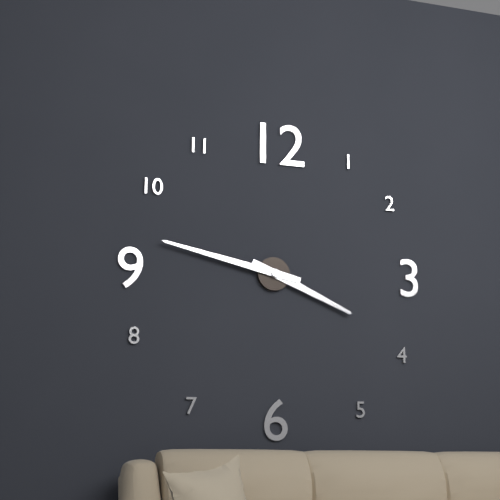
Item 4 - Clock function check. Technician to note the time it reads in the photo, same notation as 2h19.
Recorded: 3h47
